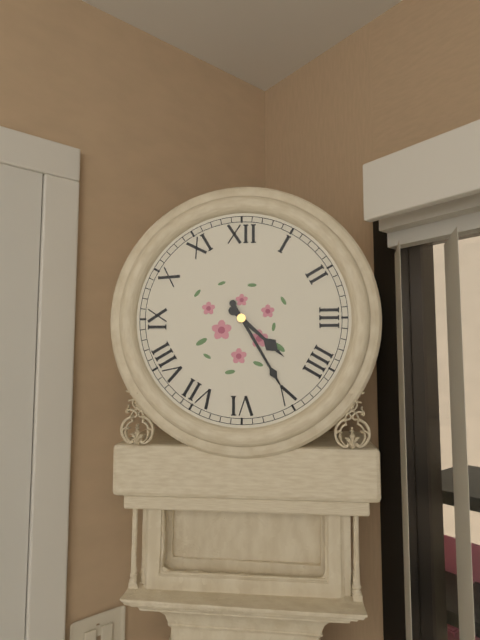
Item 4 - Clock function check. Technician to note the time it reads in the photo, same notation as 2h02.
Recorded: 4h25
